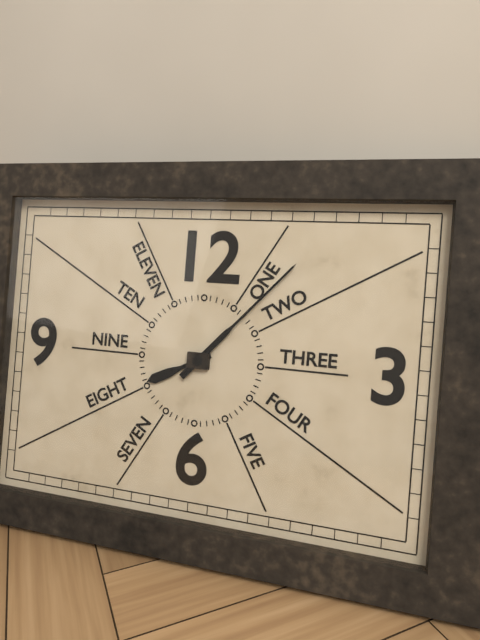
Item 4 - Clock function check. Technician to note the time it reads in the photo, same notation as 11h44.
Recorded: 8h07
